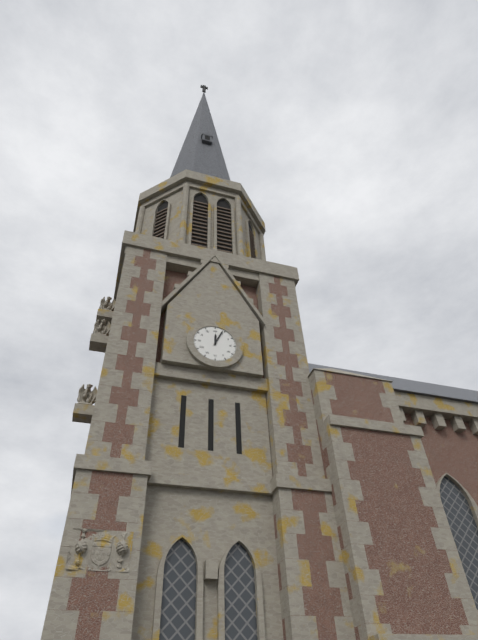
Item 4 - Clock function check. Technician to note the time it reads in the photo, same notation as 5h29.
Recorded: 12h04
